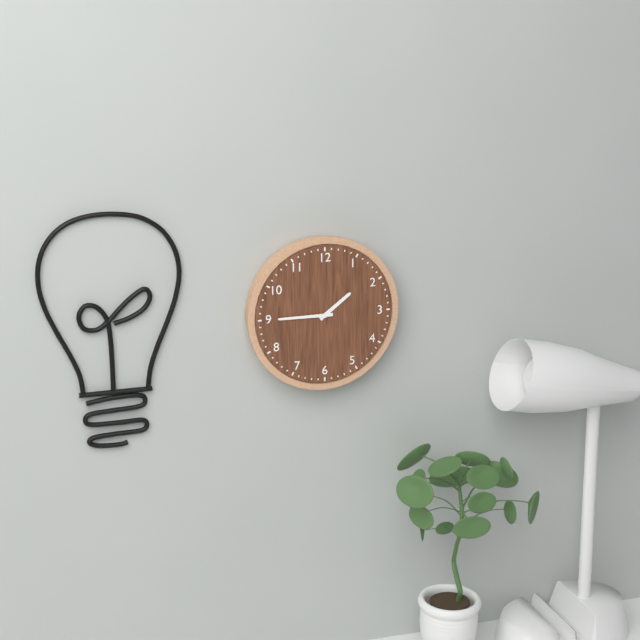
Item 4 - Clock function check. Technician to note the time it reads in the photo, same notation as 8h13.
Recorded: 1h45
